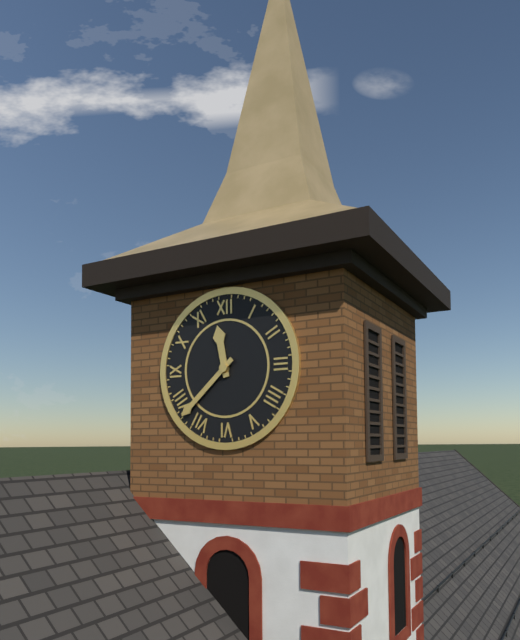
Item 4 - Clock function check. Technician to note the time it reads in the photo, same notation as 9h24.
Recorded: 11h38
